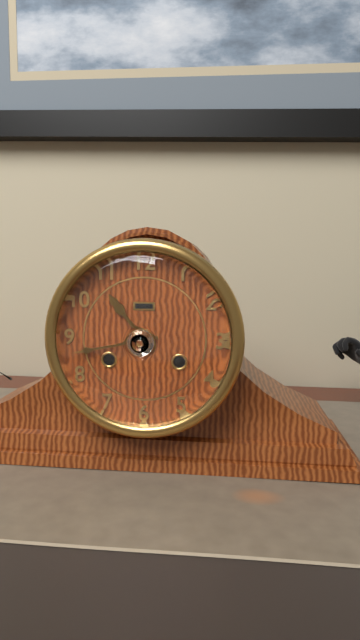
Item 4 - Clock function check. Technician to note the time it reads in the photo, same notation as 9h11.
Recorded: 10h43
